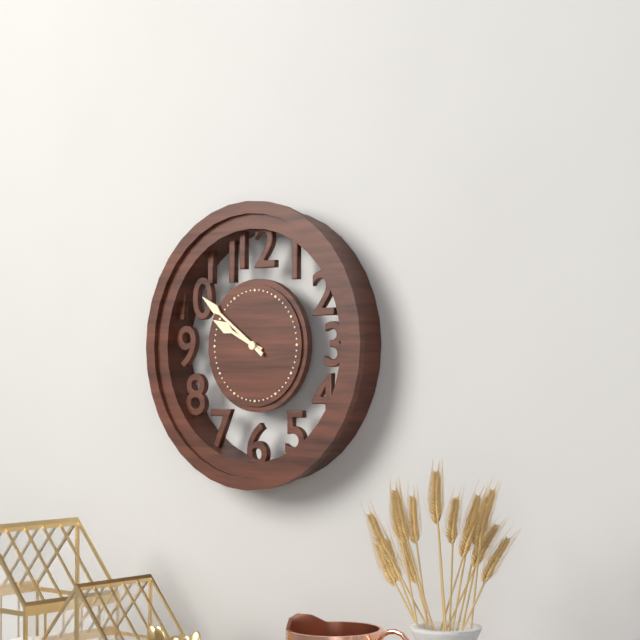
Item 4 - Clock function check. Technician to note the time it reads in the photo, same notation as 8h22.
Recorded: 9h51
